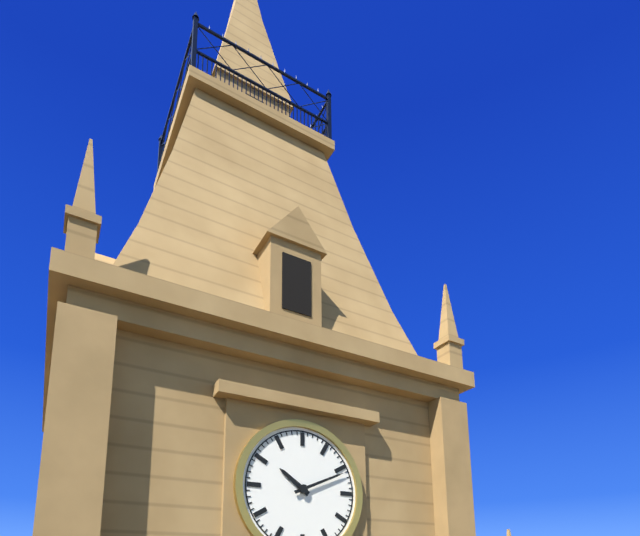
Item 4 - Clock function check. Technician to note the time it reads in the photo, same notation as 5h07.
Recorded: 10h11
